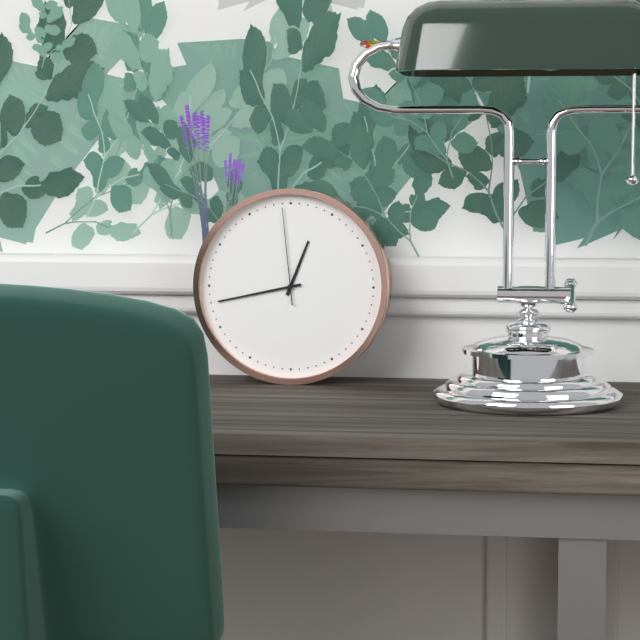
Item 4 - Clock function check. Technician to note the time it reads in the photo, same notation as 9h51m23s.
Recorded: 12h43m59s
